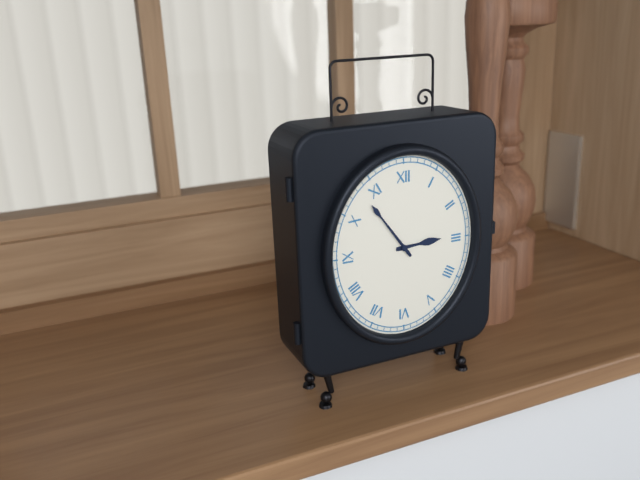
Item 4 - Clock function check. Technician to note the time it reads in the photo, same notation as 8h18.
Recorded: 2h54
